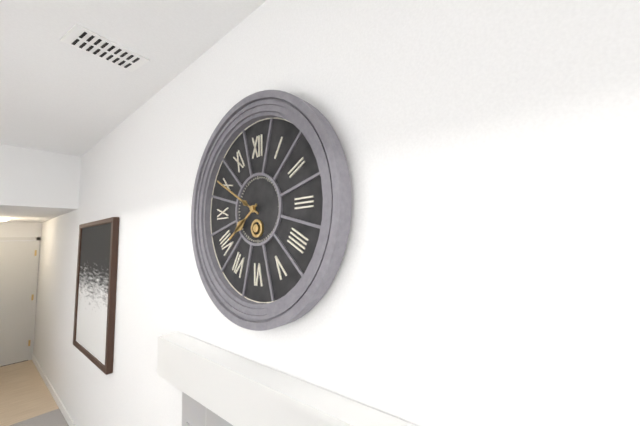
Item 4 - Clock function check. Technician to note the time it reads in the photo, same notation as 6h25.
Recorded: 7h50
